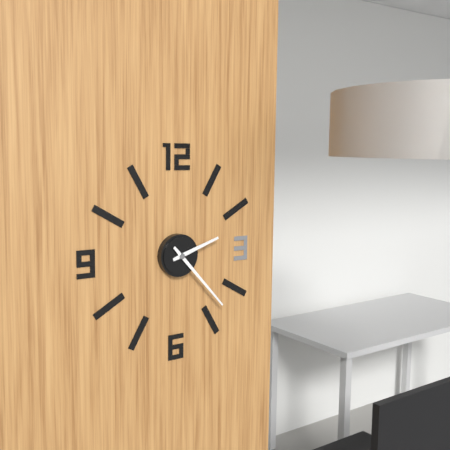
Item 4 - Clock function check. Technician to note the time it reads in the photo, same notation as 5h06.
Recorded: 2h23
